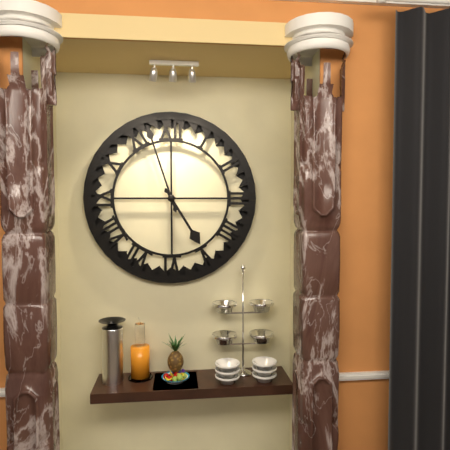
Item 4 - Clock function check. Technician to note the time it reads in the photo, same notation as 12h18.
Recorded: 4h57
